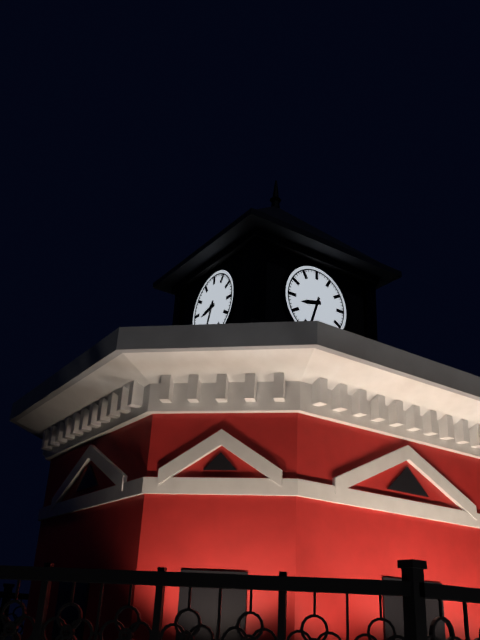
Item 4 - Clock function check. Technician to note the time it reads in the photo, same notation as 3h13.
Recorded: 8h33
